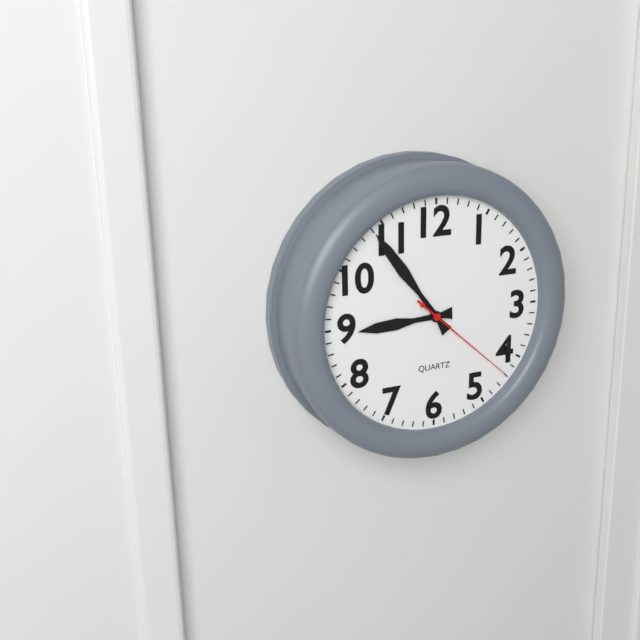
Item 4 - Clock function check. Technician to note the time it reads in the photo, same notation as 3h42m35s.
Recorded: 8h54m22s
